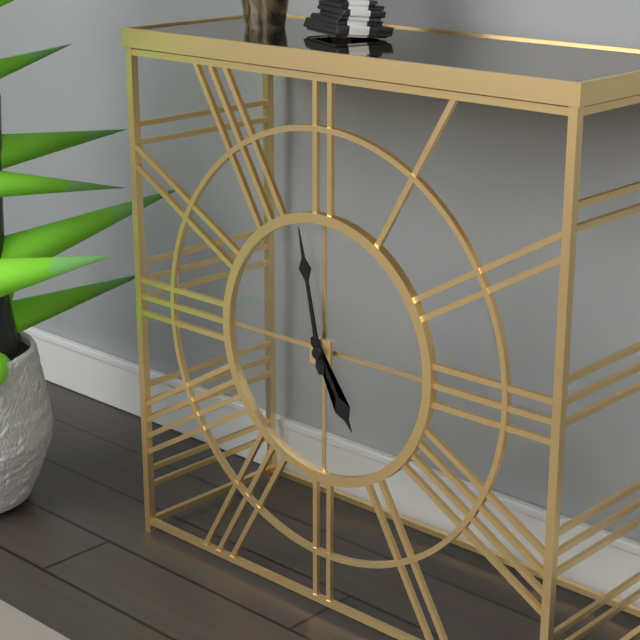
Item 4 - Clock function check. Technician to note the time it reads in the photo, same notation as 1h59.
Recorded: 4h58
